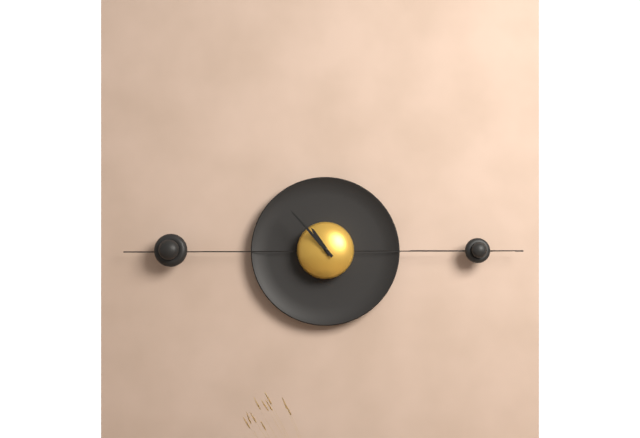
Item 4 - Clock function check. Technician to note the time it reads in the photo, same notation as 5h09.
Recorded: 10h53
